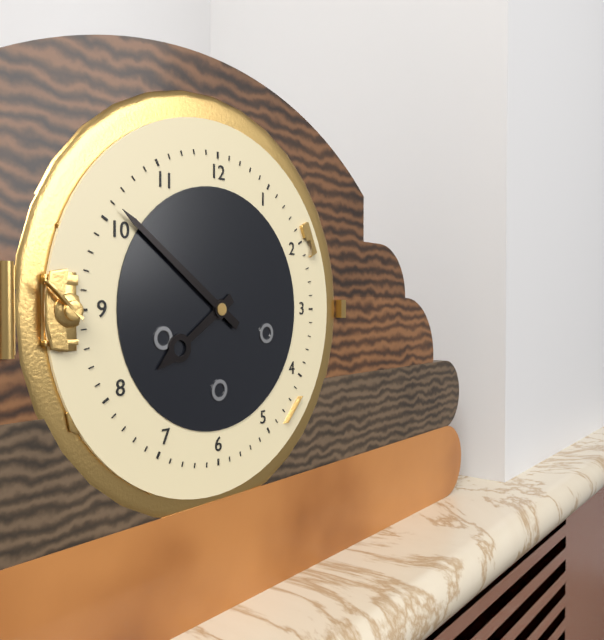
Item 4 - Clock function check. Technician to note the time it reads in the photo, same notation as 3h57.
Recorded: 7h51
